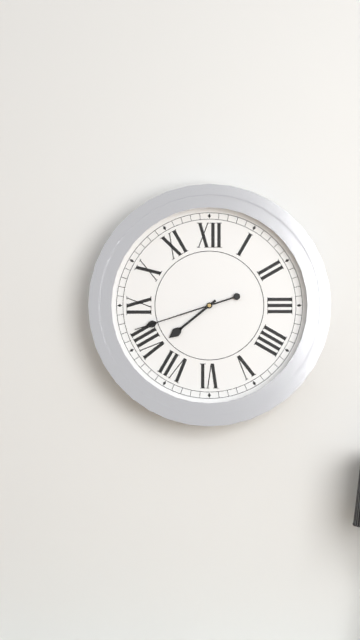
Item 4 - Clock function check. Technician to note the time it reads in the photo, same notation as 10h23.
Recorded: 7h42
